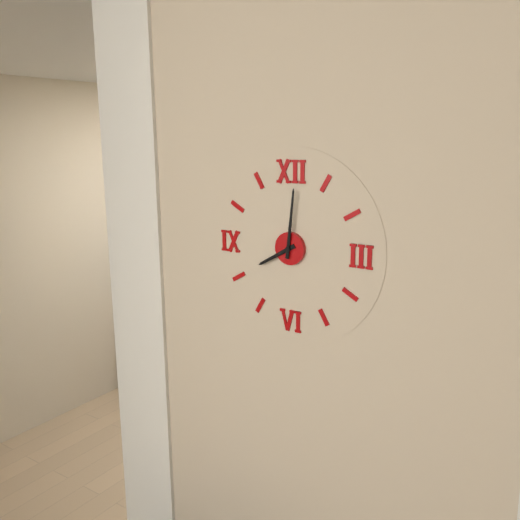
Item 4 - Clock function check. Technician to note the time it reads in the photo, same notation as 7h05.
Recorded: 8h01
